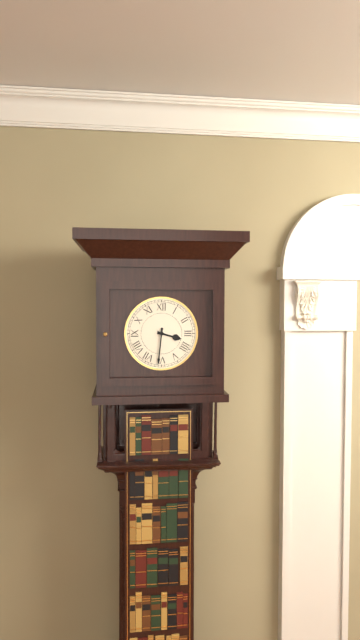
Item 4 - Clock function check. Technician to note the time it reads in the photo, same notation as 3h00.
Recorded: 3h31
